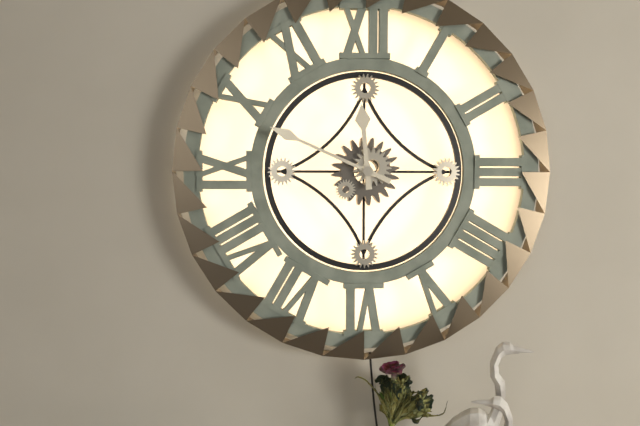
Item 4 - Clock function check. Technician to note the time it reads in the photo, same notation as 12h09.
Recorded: 11h49
